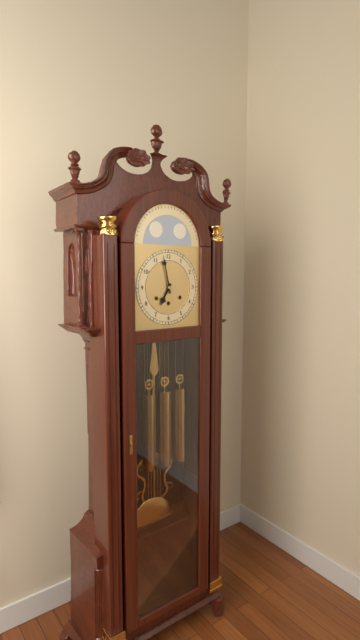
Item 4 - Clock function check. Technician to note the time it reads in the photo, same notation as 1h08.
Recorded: 6h58
